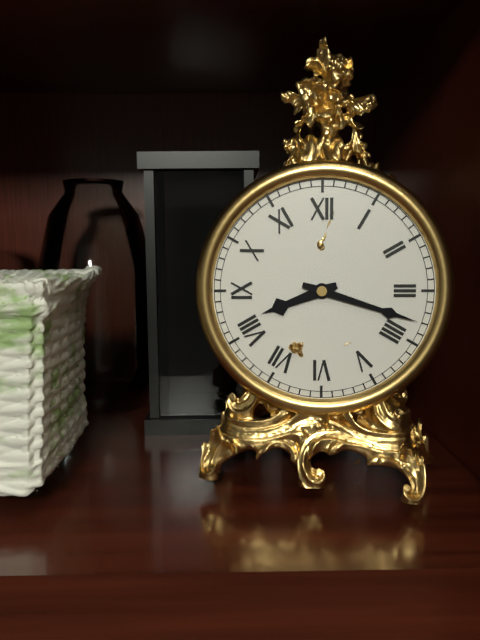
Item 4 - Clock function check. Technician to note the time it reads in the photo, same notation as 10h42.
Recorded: 8h18
